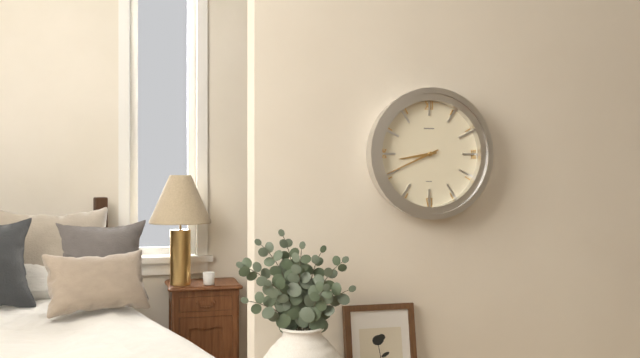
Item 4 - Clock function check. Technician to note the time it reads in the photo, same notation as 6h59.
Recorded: 8h41
